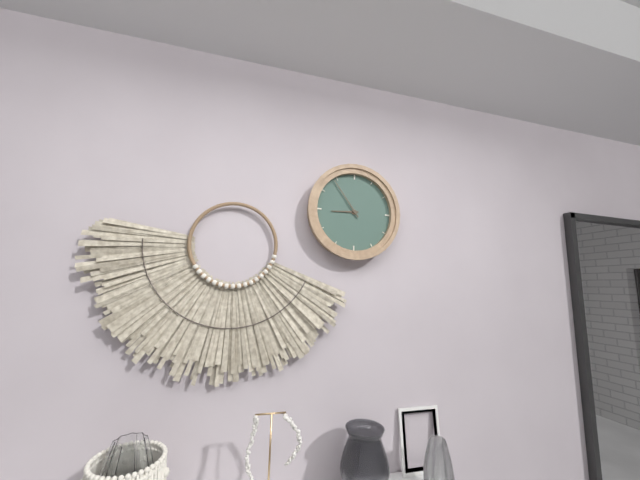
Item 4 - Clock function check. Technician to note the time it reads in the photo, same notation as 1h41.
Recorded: 8h54
